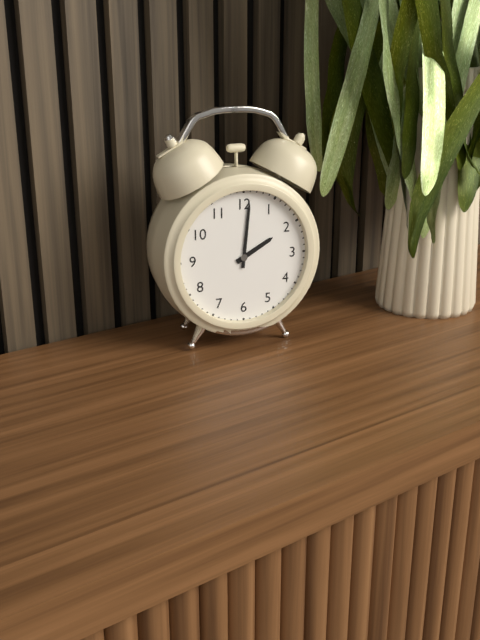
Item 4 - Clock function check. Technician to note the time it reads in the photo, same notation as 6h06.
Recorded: 2h01
